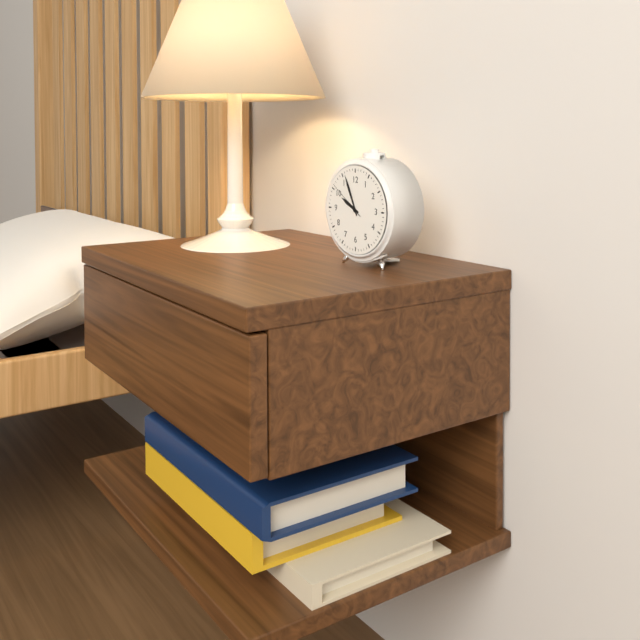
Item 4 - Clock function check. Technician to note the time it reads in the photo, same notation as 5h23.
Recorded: 9h56
